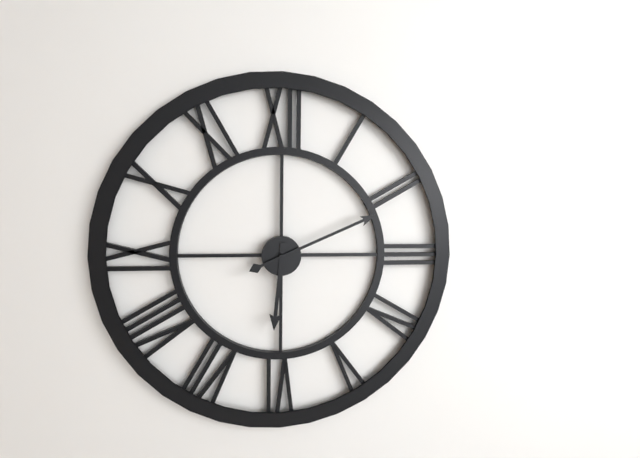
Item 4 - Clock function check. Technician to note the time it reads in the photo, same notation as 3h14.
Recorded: 6h11
